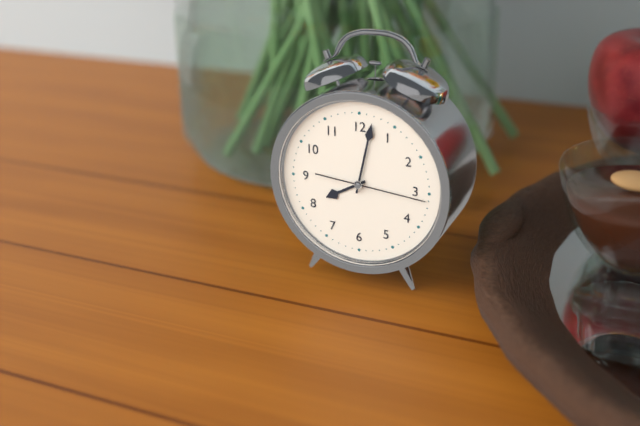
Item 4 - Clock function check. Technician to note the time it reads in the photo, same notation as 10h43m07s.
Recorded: 8h02m16s
